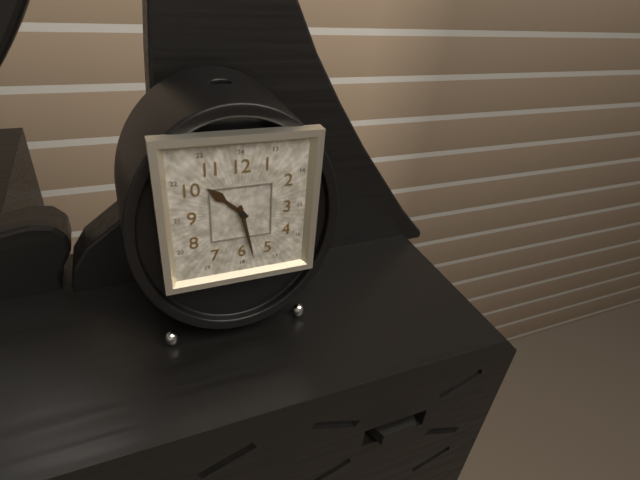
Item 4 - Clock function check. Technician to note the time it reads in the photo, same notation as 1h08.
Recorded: 10h28
